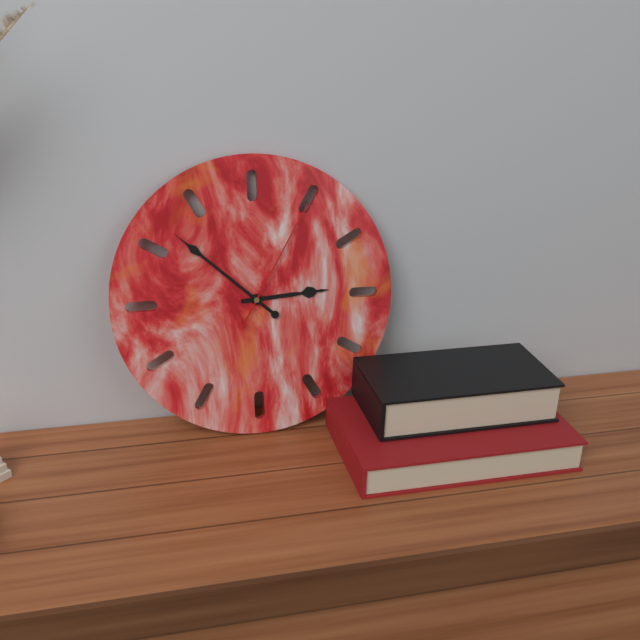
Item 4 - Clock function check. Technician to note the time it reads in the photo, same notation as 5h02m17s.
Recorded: 2h52m05s
